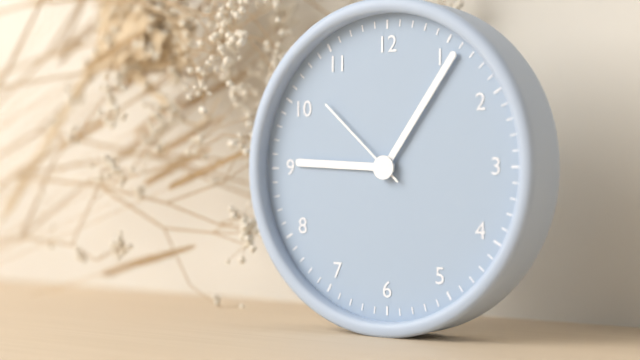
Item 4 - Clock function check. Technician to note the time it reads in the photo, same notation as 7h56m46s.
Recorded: 9h06m52s
